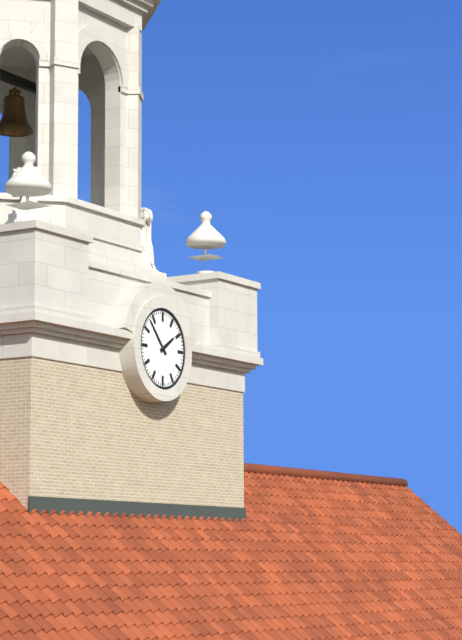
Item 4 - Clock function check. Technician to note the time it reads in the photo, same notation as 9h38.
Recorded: 1h53
